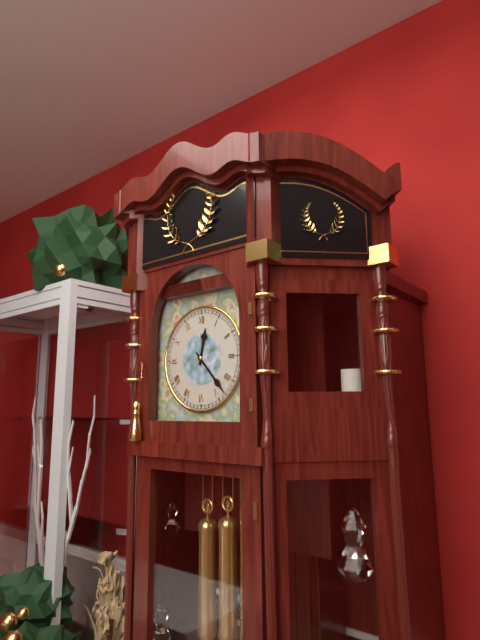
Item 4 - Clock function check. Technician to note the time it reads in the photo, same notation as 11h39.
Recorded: 12h23
